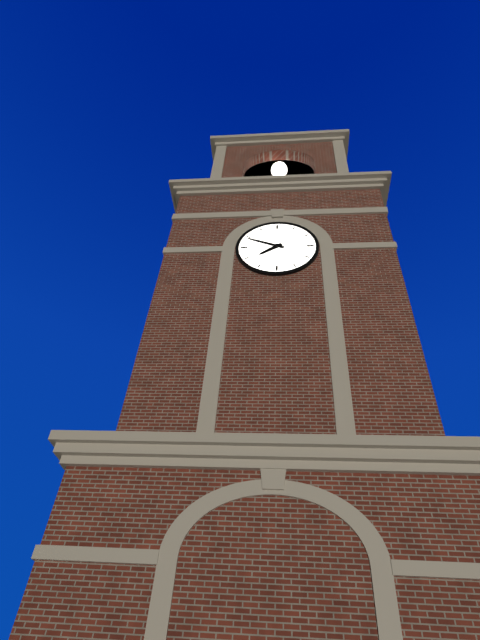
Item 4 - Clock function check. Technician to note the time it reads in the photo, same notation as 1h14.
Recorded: 7h49
